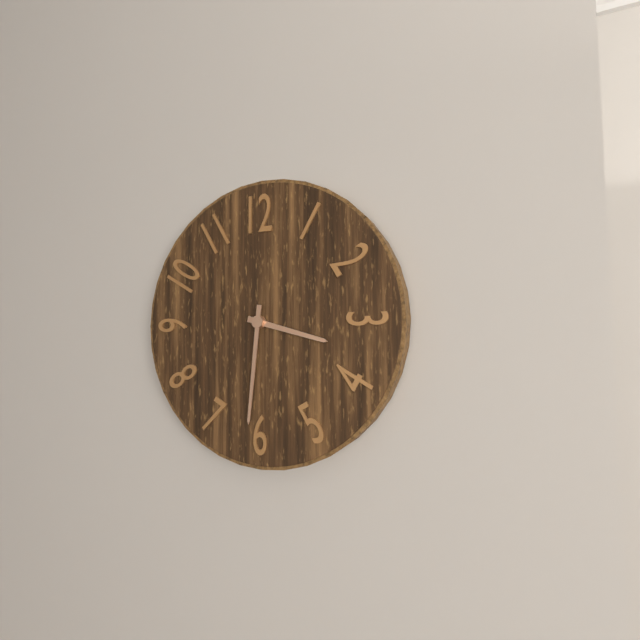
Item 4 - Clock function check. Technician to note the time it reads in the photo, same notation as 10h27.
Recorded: 3h31
